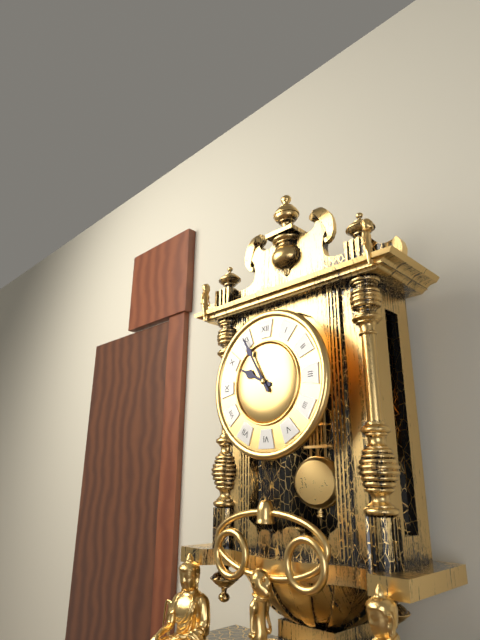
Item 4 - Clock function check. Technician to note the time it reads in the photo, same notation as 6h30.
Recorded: 9h55
